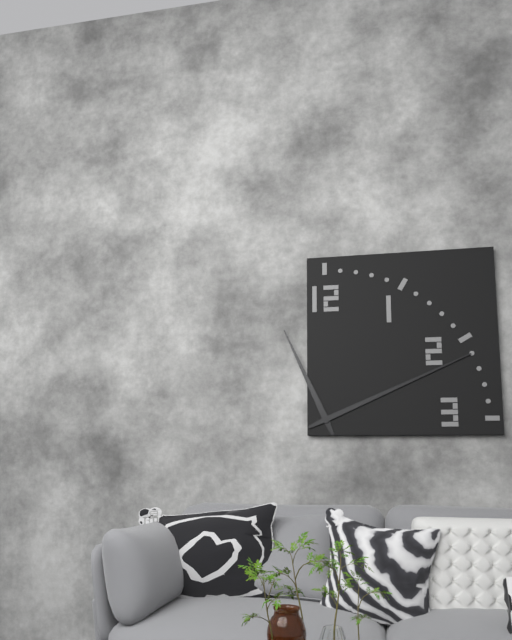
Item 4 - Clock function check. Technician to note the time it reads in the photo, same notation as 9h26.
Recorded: 11h11
